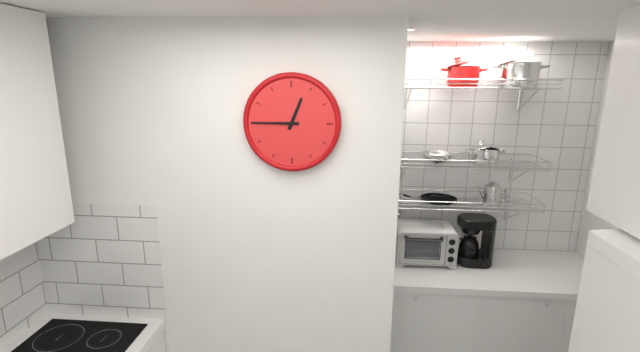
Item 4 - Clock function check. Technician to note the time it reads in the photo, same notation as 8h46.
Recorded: 12h45
